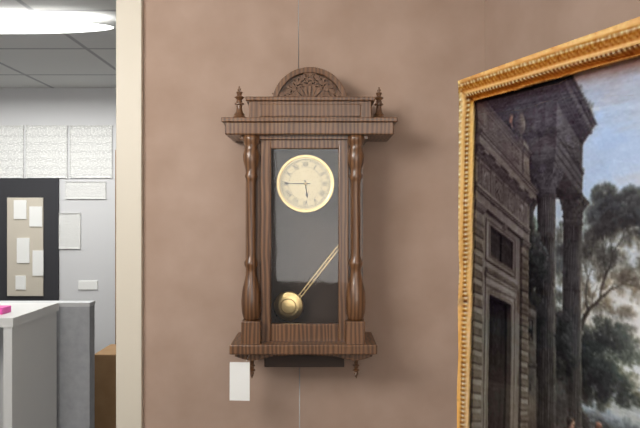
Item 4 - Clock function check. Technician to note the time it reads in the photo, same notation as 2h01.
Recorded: 5h45
